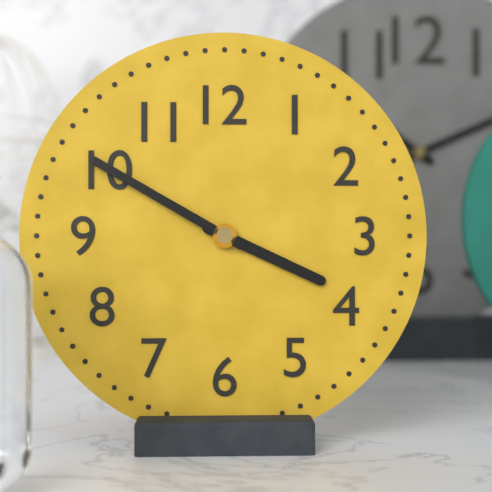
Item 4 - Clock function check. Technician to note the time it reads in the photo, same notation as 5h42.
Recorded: 3h50
